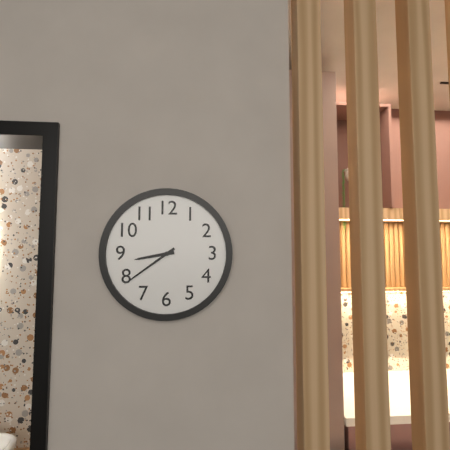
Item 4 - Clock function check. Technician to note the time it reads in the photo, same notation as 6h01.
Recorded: 8h39
